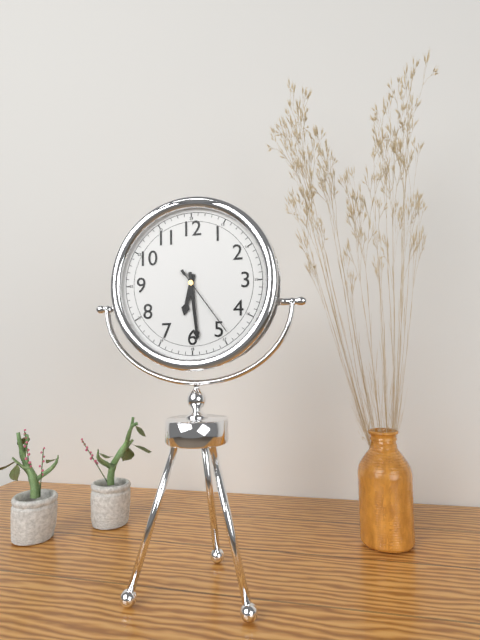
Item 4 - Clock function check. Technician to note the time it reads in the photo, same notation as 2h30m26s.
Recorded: 6h29m24s
